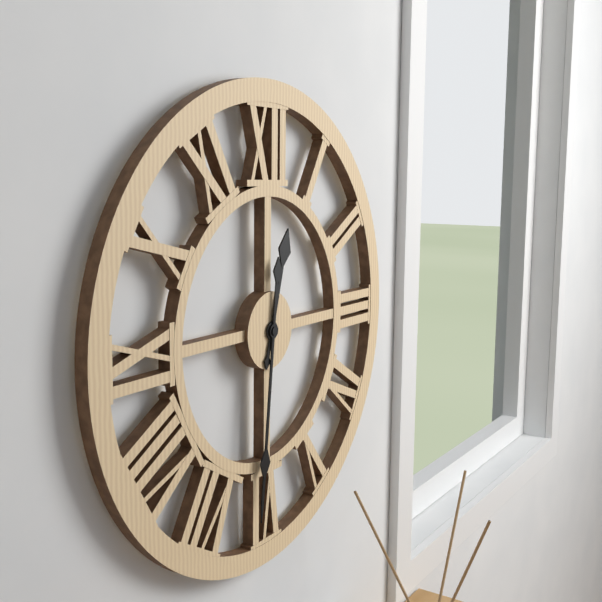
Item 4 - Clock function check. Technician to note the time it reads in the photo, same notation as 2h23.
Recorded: 12h31
